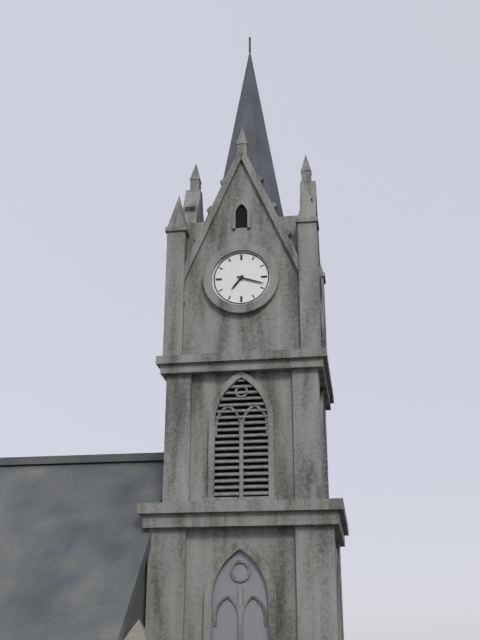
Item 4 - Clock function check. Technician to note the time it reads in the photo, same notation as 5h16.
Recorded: 7h18
